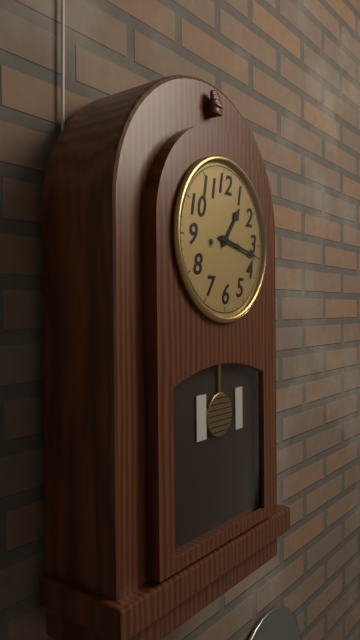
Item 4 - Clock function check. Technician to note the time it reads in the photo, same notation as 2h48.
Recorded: 1h17
